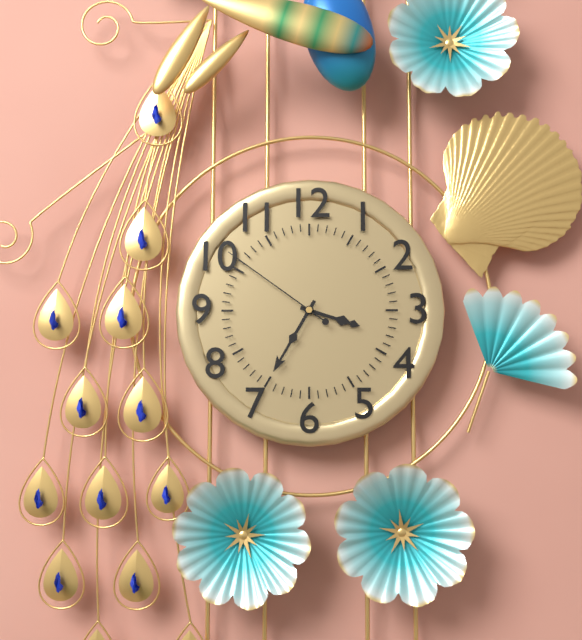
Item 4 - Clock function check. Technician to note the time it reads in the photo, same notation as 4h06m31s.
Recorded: 3h35m51s
